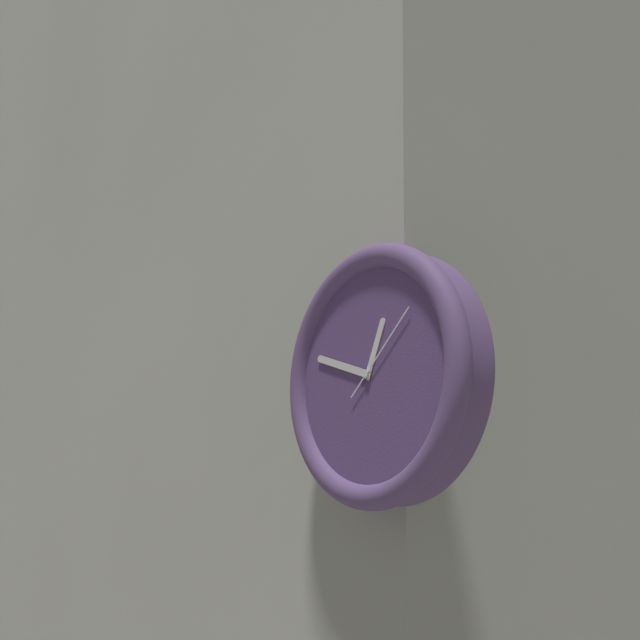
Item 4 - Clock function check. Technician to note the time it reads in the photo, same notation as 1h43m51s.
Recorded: 12h48m08s
